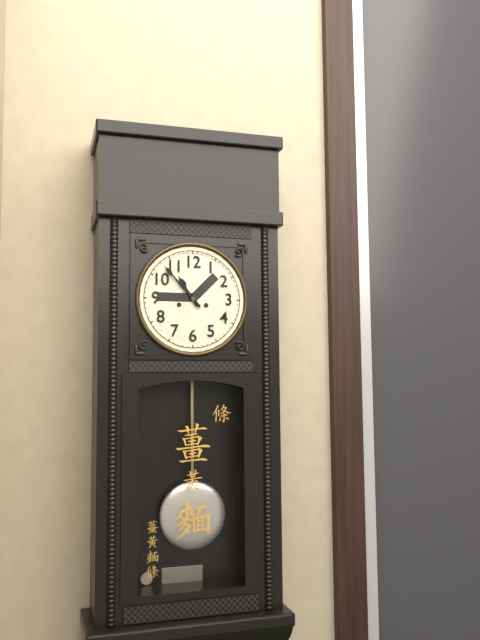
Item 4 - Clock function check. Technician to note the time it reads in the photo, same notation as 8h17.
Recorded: 10h53
